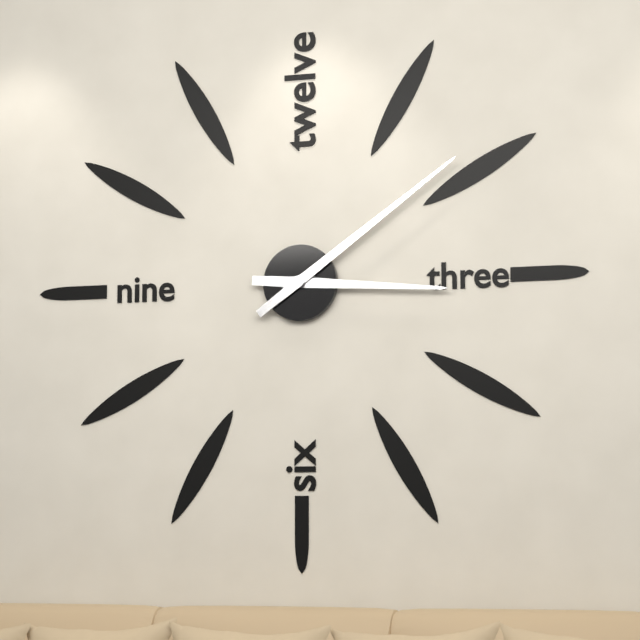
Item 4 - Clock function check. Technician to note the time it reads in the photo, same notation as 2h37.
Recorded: 3h09
